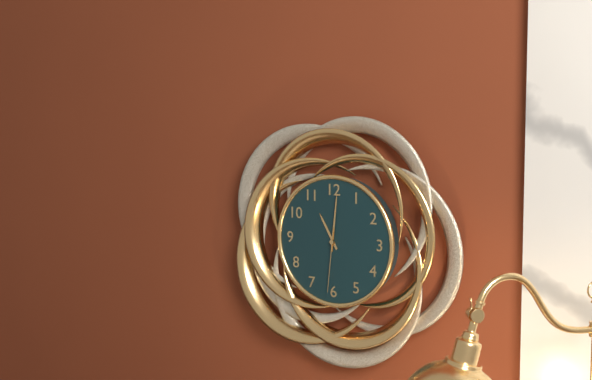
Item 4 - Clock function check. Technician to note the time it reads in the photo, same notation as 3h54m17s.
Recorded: 11h01m31s
